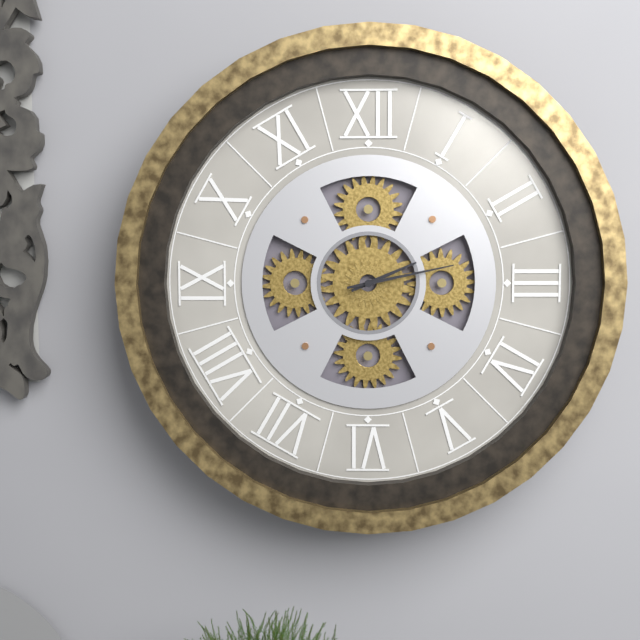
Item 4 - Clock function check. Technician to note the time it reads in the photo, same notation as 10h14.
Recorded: 2h13
